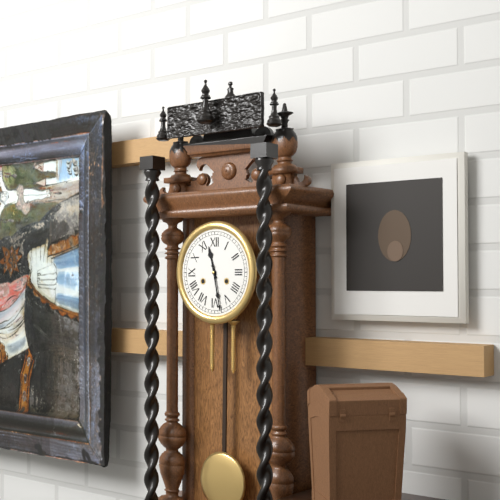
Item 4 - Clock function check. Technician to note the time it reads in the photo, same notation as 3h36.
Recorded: 11h28
